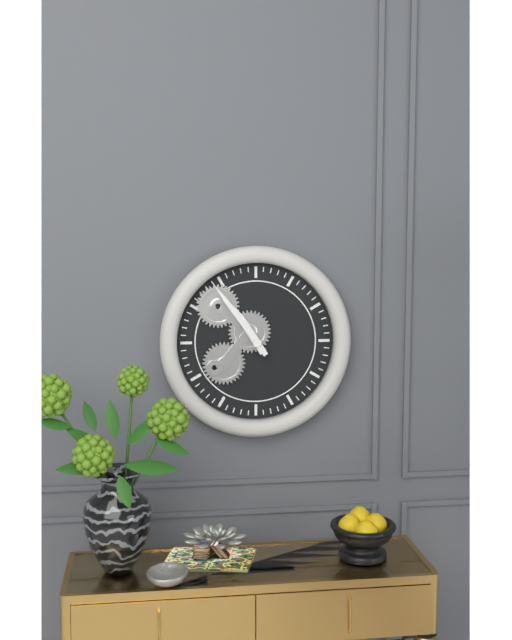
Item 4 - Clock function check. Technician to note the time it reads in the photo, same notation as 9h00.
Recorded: 10h54
